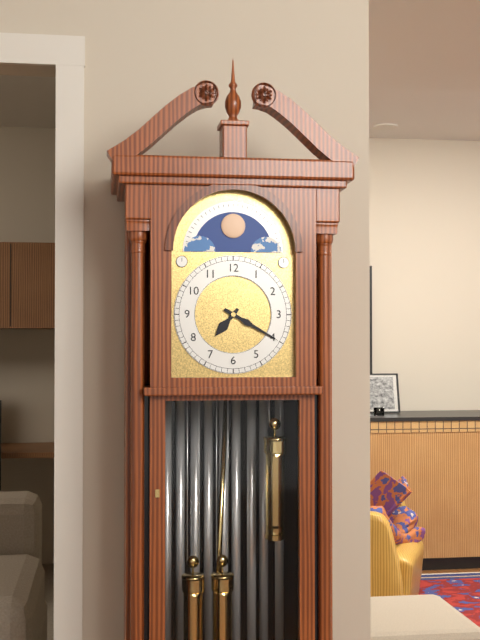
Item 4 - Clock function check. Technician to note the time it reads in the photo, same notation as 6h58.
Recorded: 7h20
